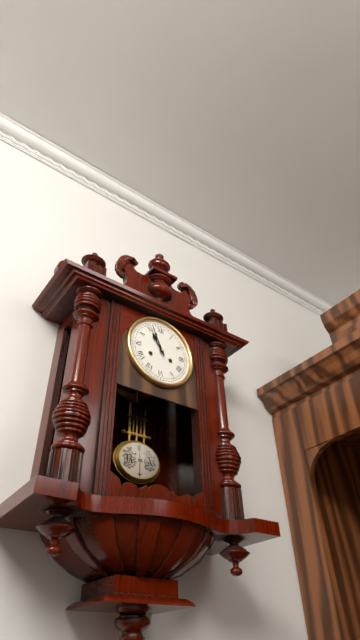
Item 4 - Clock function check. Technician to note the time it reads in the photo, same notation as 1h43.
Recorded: 10h56
